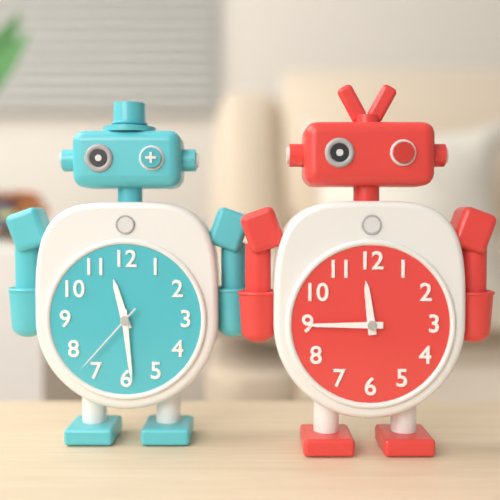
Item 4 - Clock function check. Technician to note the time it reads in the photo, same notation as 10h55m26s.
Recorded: 11h29m37s
